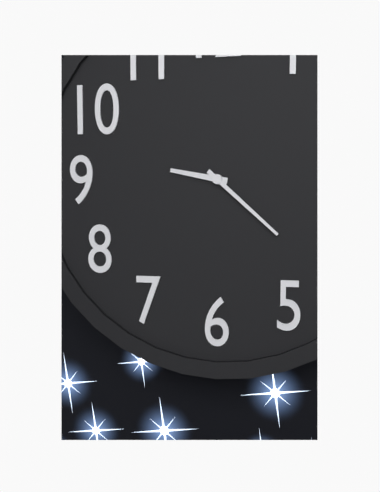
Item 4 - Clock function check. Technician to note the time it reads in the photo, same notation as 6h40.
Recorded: 9h22
